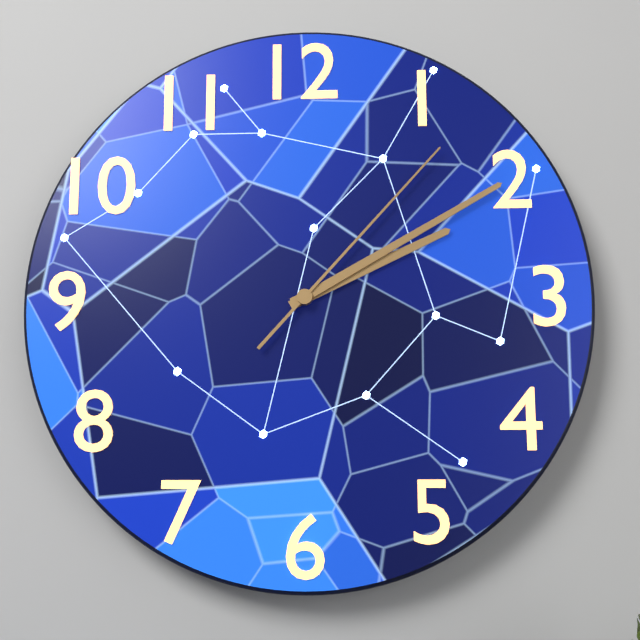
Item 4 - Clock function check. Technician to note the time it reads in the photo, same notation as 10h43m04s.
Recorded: 2h10m07s
